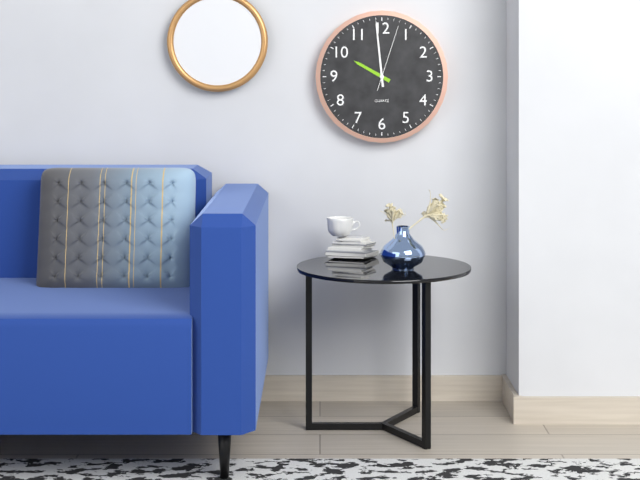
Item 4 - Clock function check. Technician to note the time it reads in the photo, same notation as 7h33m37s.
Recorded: 9h59m03s
